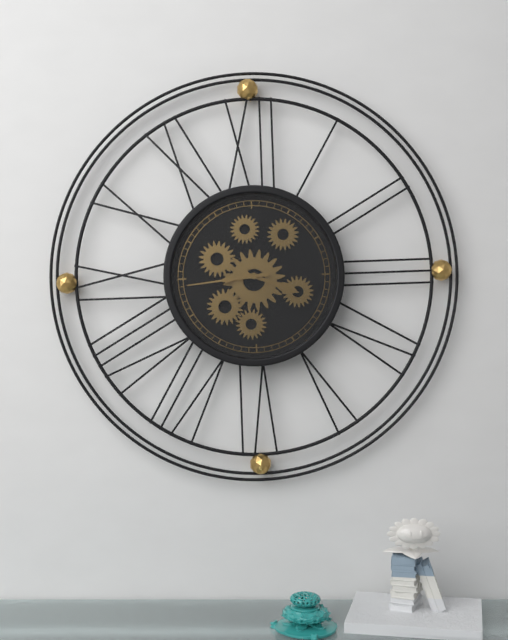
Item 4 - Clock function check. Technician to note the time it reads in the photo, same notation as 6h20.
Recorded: 3h44
